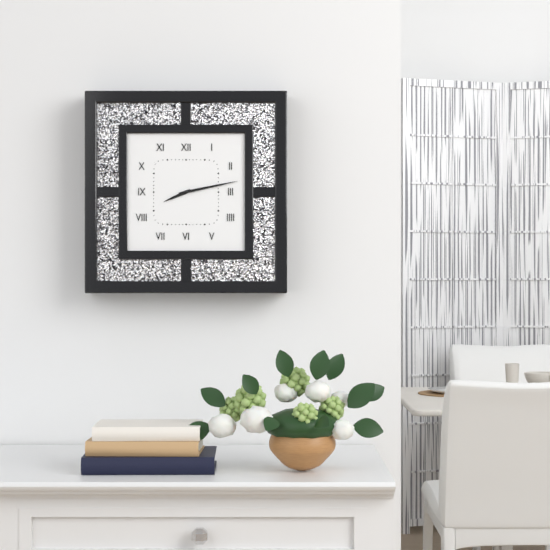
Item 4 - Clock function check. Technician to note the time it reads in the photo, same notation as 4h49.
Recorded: 8h13
